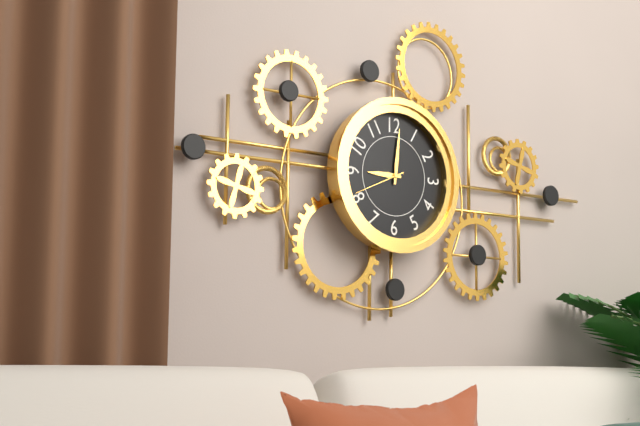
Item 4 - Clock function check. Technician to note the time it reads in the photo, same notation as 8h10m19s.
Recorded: 9h01m41s
